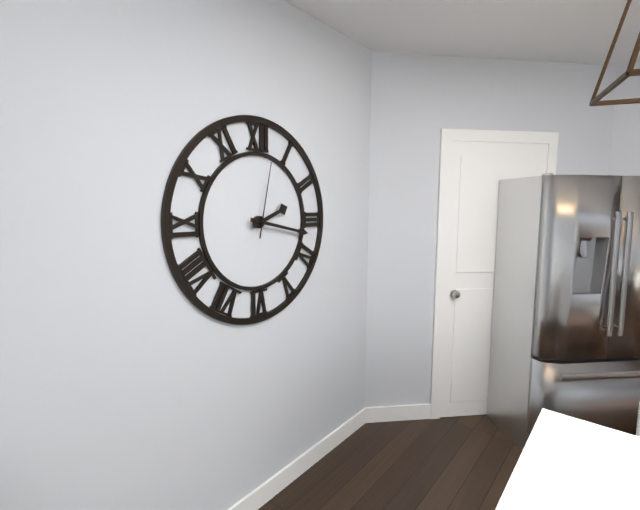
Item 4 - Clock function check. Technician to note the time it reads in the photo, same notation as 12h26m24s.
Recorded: 2h17m02s
